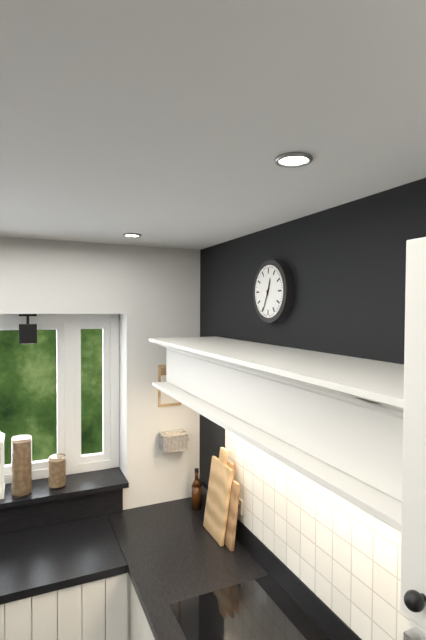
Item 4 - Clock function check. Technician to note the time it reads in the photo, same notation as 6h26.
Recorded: 12h34
